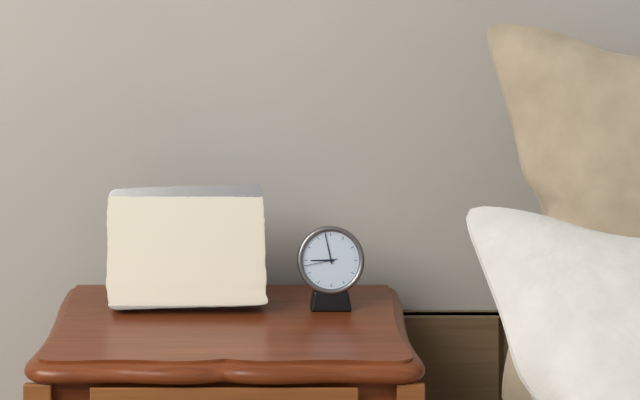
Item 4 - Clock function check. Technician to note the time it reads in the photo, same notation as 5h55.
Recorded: 8h58
